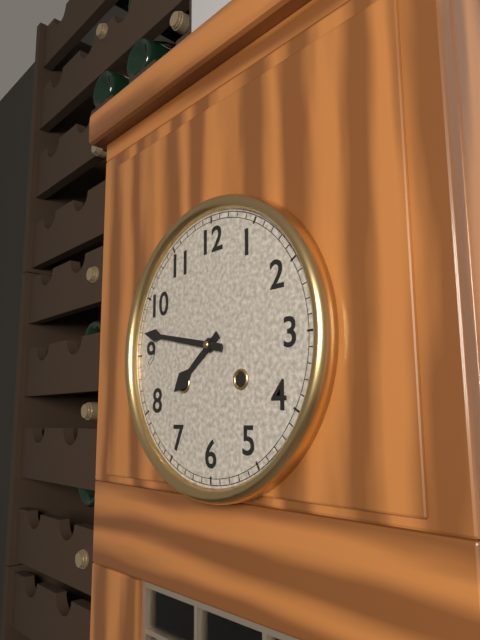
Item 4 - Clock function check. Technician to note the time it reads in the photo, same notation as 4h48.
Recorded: 7h47
